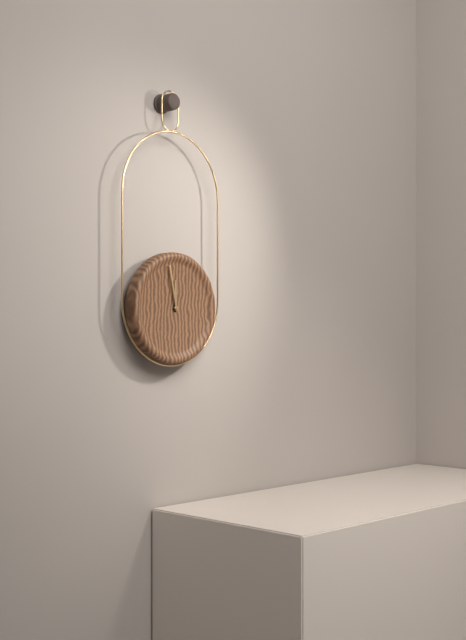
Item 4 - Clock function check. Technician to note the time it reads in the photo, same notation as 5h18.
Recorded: 11h58
